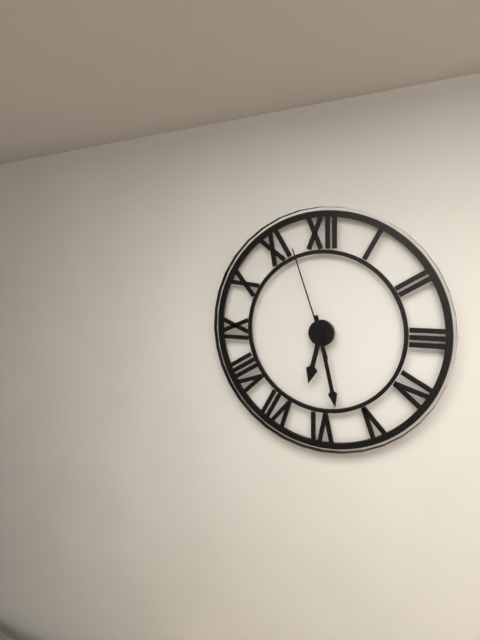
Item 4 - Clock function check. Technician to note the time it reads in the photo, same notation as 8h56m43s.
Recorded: 6h28m57s
